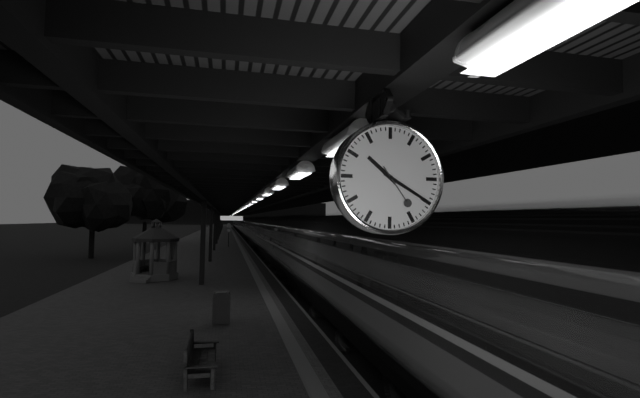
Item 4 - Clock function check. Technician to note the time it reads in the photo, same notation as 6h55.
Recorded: 10h20
